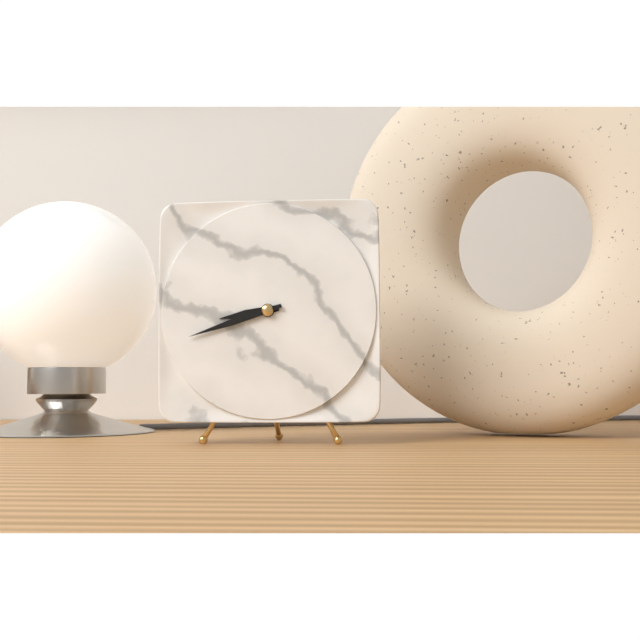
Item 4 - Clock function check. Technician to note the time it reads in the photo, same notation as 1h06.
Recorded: 8h42
